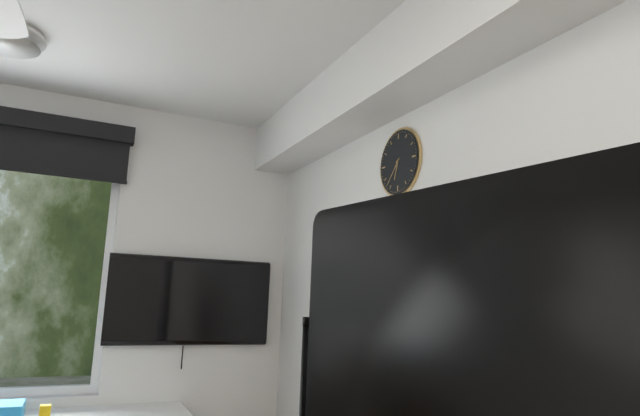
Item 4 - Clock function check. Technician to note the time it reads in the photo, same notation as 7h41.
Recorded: 6h37
